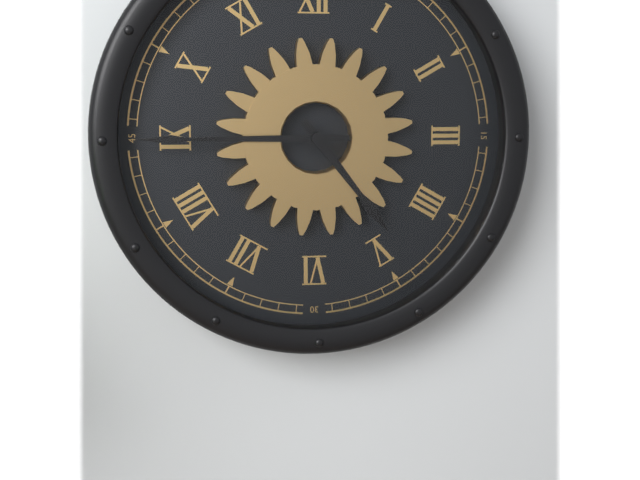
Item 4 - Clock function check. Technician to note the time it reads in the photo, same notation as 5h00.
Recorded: 4h45
